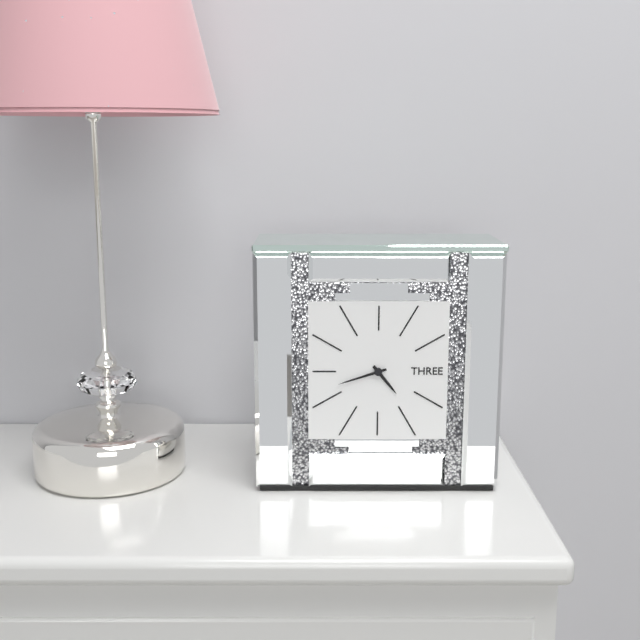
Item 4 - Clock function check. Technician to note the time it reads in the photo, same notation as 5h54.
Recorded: 4h42
